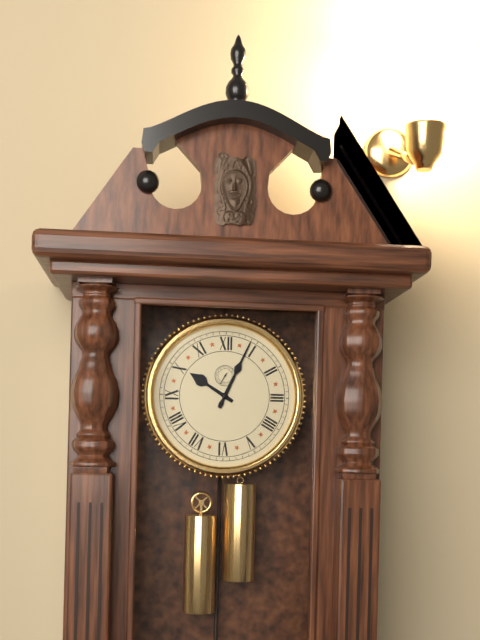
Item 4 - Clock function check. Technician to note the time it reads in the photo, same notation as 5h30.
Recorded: 10h04
